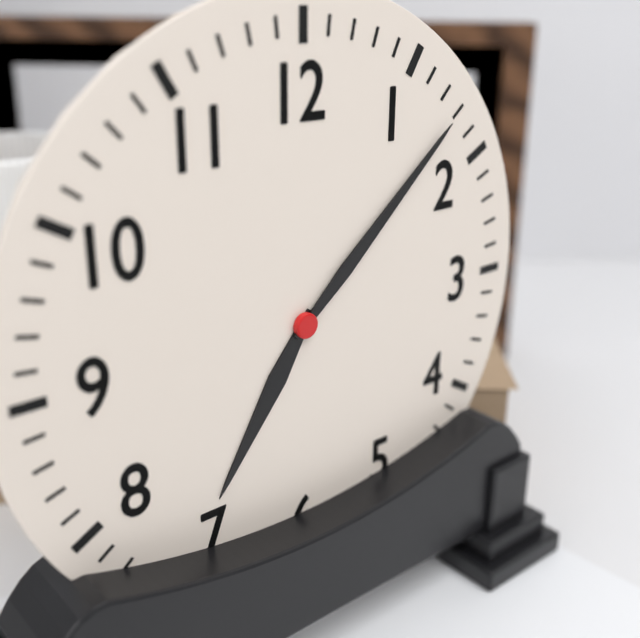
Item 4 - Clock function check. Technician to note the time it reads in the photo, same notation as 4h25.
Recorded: 7h08
